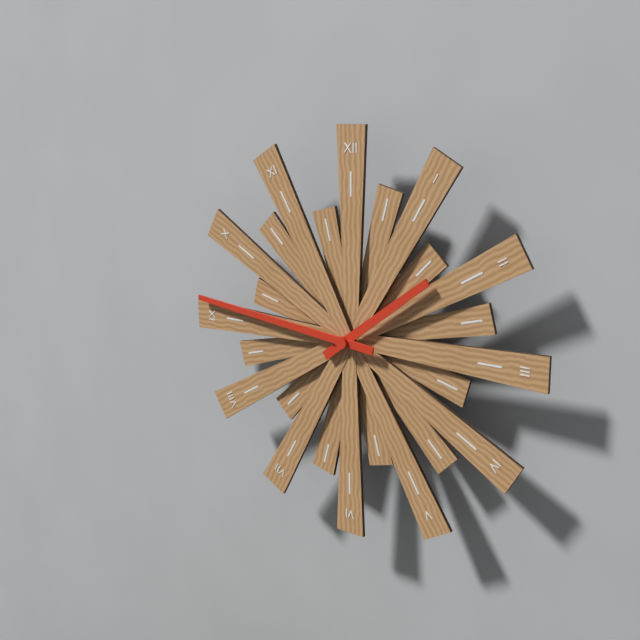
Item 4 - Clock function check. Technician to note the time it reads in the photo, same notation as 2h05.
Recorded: 1h46
